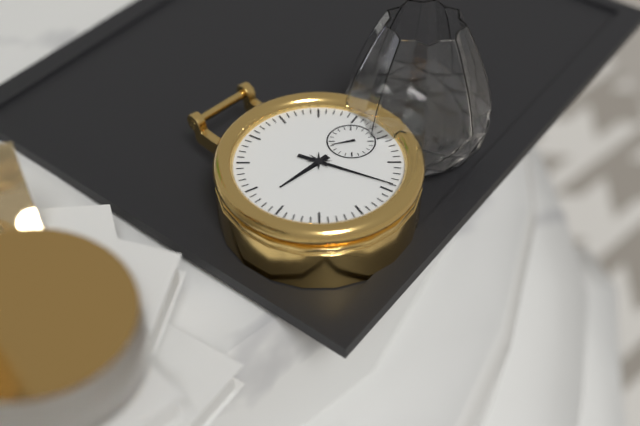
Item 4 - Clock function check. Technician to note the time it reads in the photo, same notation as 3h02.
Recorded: 10h34
